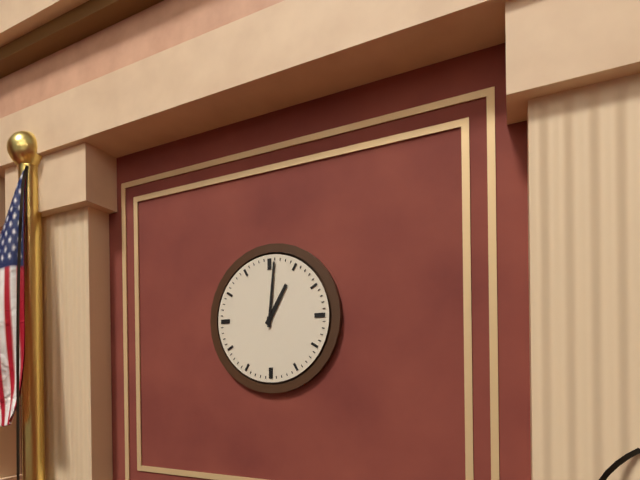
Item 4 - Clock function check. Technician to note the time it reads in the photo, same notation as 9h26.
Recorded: 1h01
